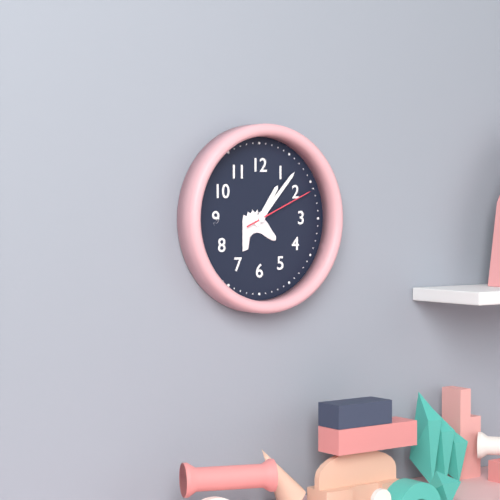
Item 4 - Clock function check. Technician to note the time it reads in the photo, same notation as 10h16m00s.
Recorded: 1h07m11s
